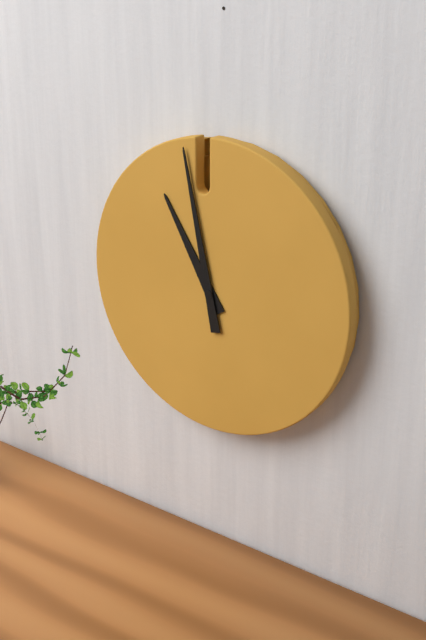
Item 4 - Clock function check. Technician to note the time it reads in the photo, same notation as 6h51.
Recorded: 10h58
